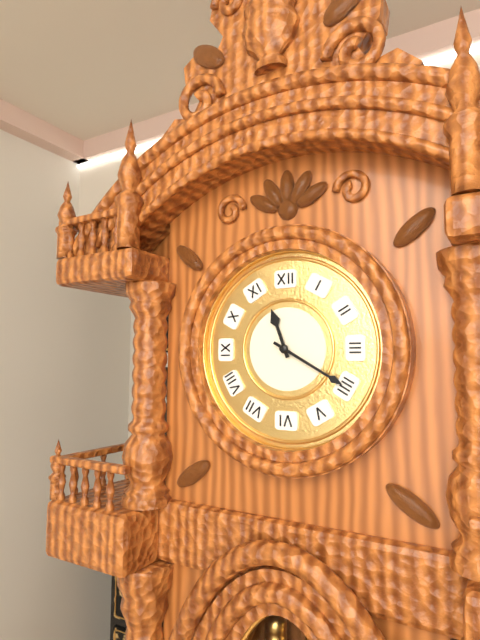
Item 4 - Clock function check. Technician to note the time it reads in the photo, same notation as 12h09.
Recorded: 11h20
